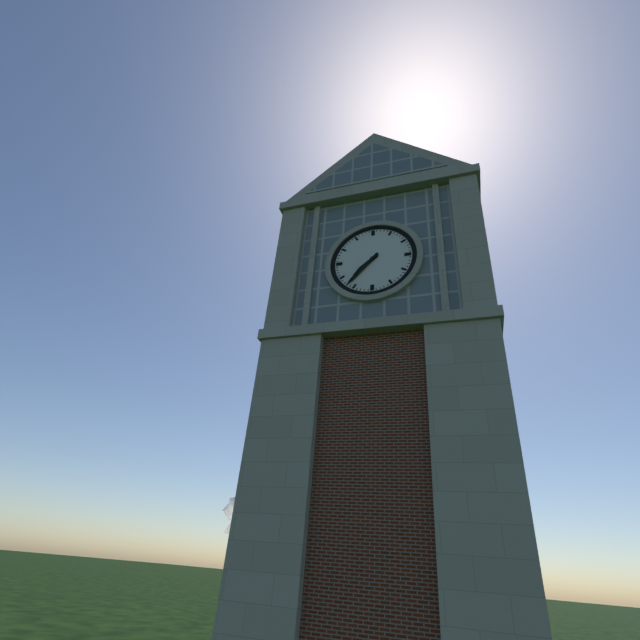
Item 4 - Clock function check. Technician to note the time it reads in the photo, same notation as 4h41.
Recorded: 7h37
